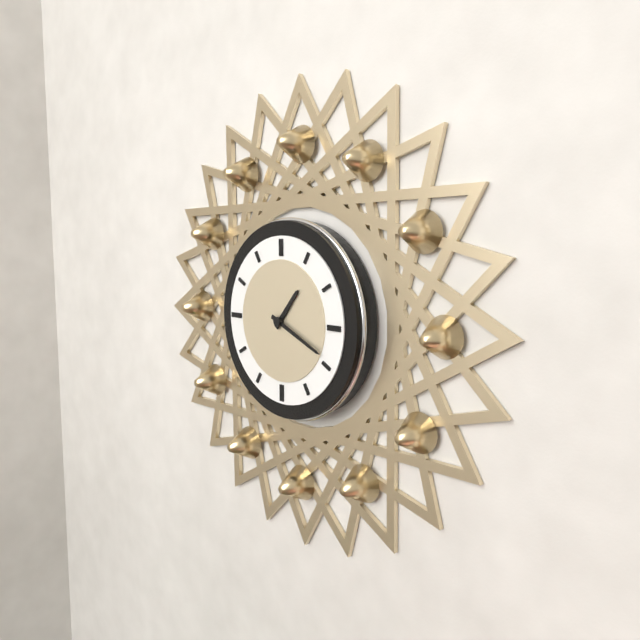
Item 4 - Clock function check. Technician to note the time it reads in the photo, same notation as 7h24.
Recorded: 1h19
